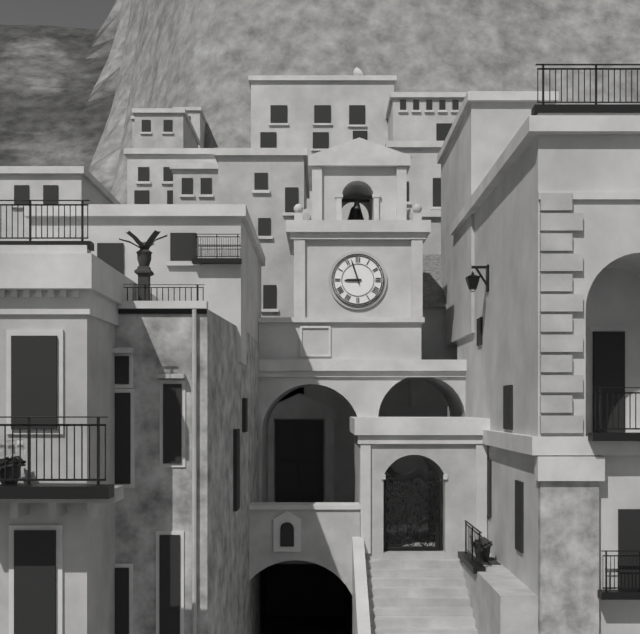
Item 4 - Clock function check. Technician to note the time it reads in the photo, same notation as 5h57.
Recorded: 8h57
